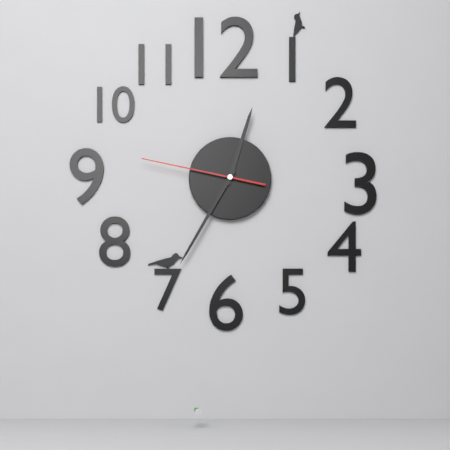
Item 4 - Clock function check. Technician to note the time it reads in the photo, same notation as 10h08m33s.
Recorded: 12h35m47s
